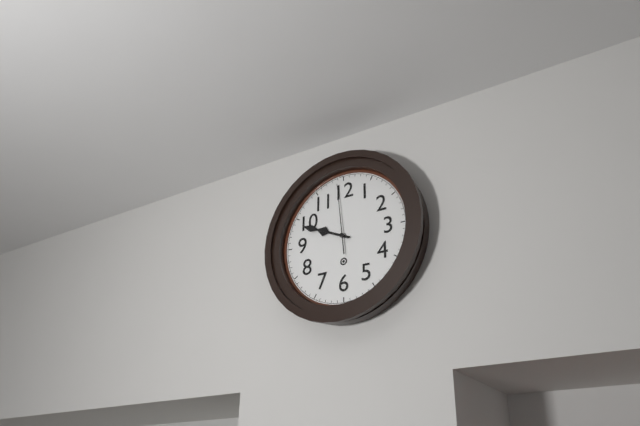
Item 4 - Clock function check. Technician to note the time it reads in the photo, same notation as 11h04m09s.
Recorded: 9h49m59s
